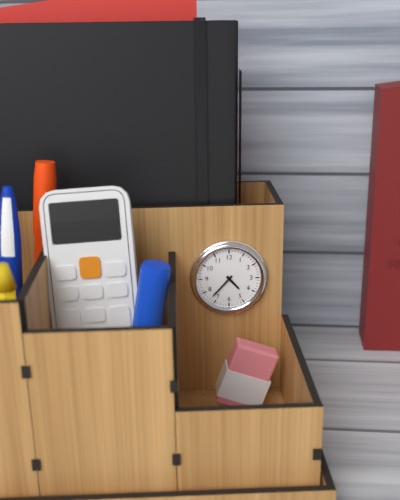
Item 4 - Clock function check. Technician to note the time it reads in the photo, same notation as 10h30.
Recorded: 4h37
